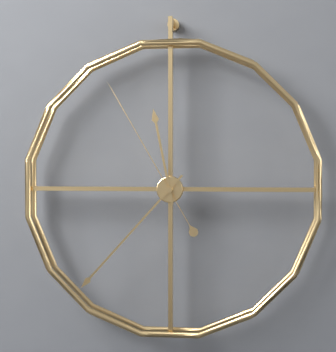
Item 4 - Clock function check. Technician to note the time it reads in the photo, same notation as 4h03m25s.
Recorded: 11h37m55s
